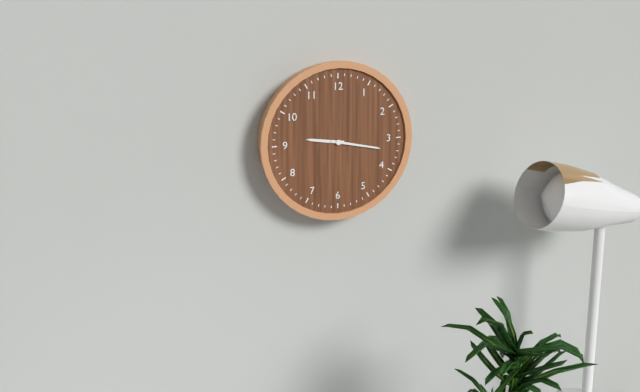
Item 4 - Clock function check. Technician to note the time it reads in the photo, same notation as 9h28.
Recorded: 9h17
